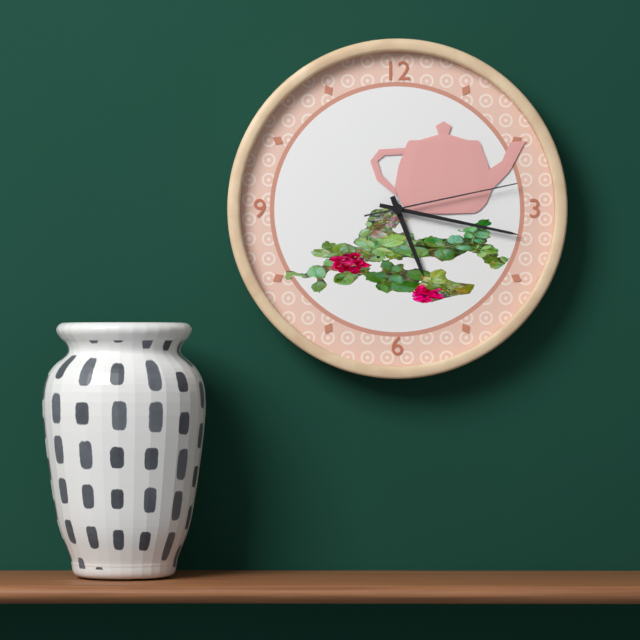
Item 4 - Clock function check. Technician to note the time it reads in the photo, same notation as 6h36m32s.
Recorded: 5h17m13s
